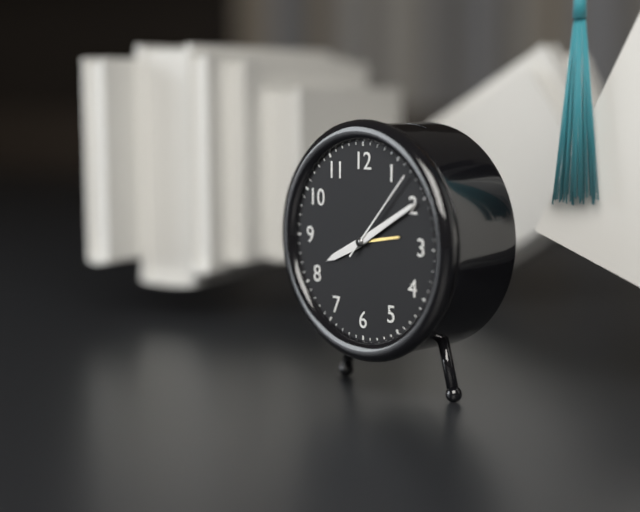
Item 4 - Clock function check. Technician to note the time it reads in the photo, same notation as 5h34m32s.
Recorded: 8h10m07s
